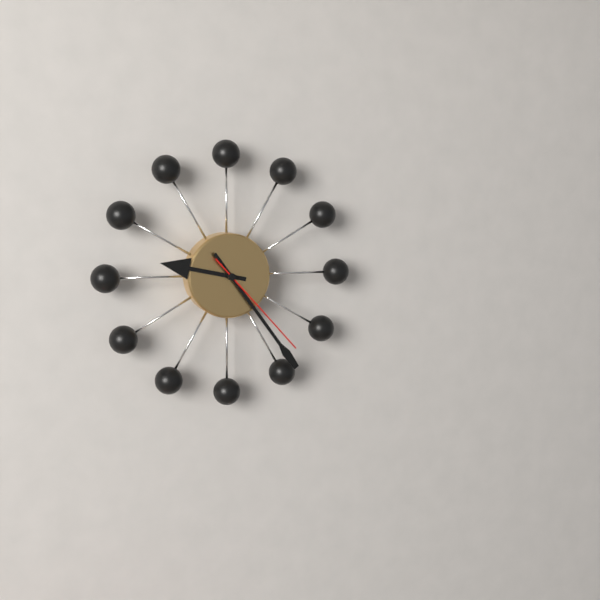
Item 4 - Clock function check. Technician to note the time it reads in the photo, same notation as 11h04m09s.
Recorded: 9h24m23s
